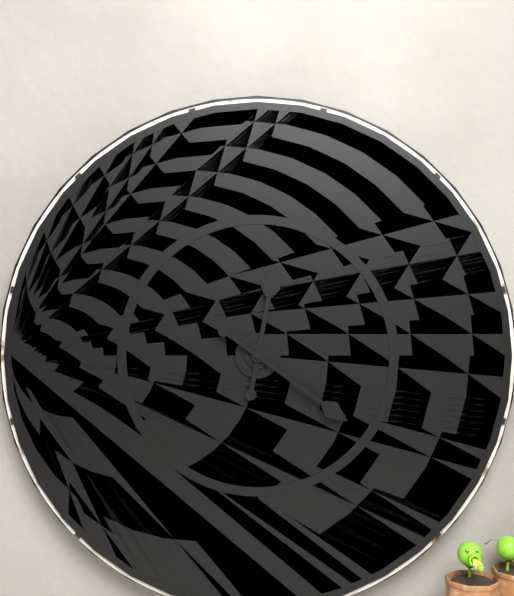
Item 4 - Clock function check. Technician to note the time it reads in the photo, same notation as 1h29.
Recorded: 12h21
